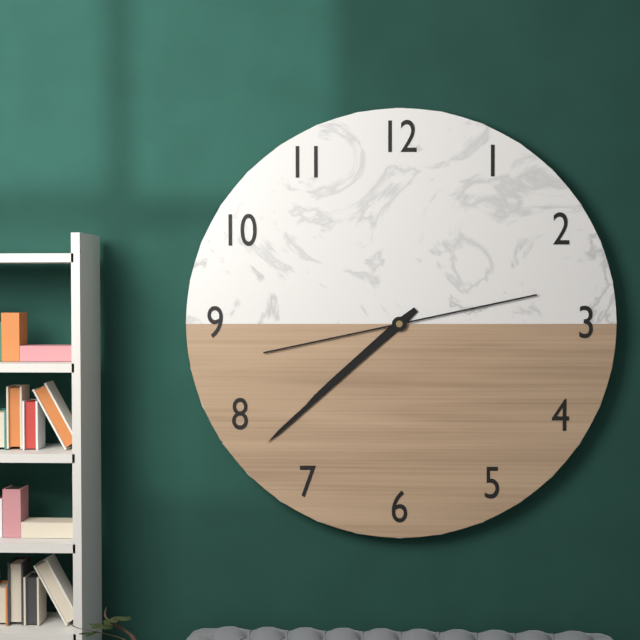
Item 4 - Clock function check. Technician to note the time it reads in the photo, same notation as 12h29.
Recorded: 7h38
